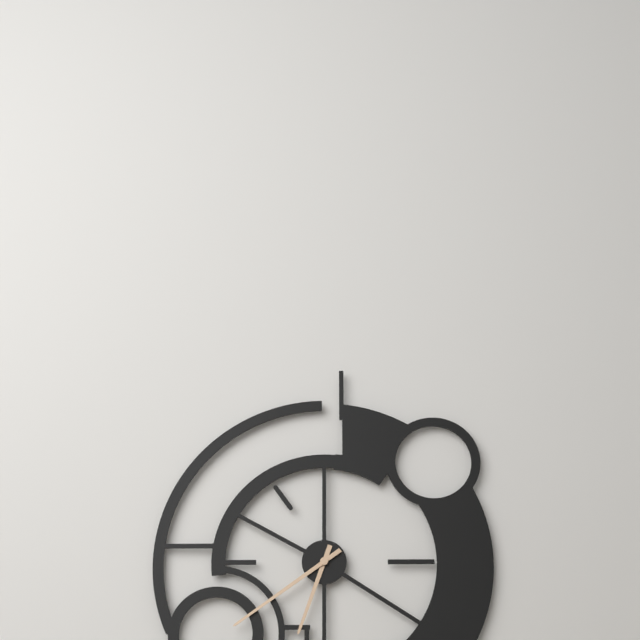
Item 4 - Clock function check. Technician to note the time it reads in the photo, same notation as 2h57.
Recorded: 6h39
